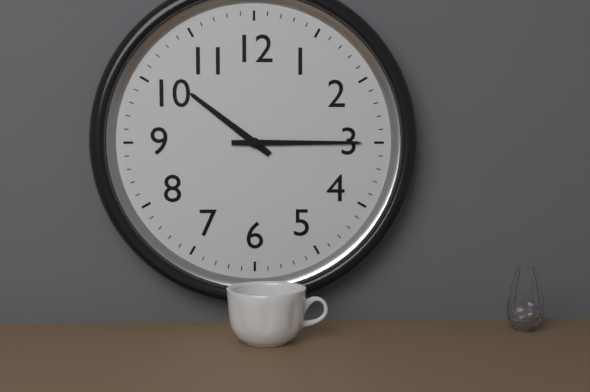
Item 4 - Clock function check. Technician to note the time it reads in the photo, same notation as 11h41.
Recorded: 10h15
